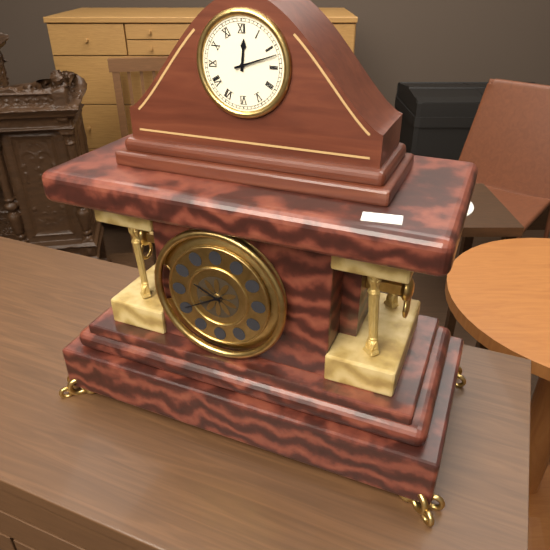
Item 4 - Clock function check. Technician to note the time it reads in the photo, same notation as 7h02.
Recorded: 12h12
